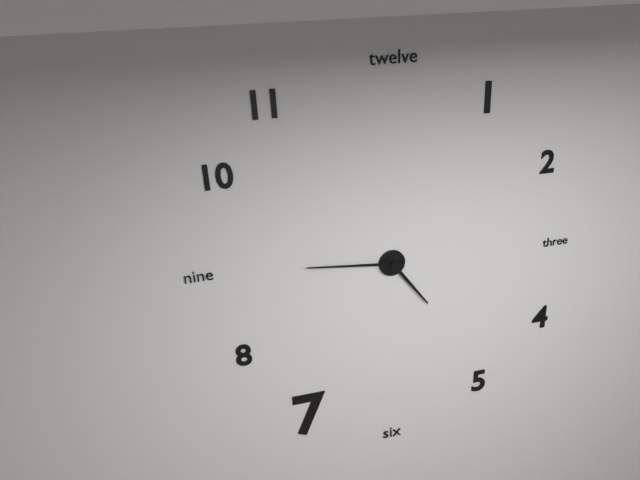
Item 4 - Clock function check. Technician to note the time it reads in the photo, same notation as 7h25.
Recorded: 4h46
